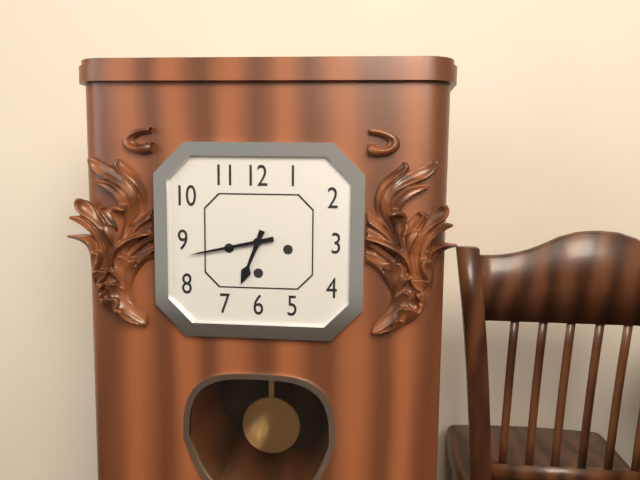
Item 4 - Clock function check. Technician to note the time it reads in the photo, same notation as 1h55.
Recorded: 6h43
